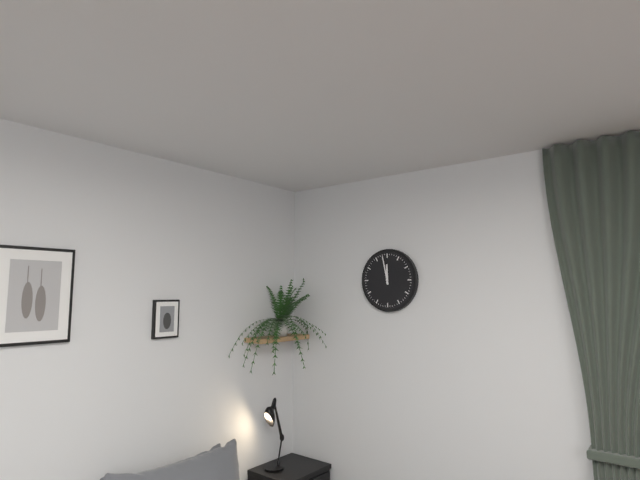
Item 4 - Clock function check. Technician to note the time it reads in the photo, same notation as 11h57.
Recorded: 11h58
